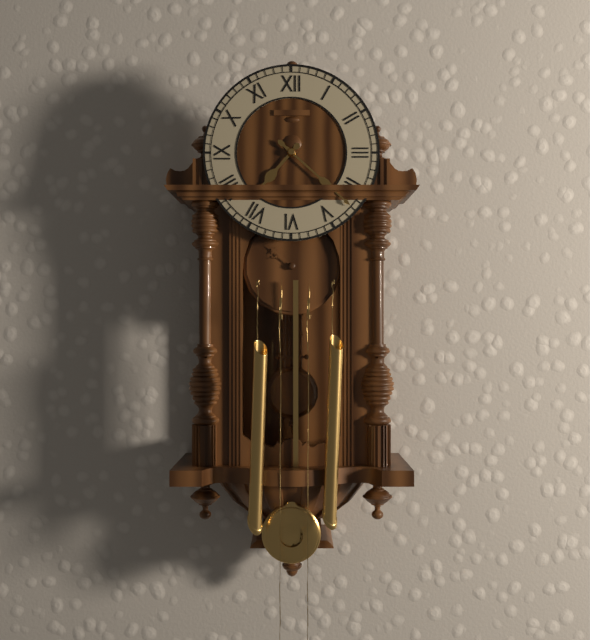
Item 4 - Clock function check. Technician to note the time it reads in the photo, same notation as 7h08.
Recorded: 7h22
